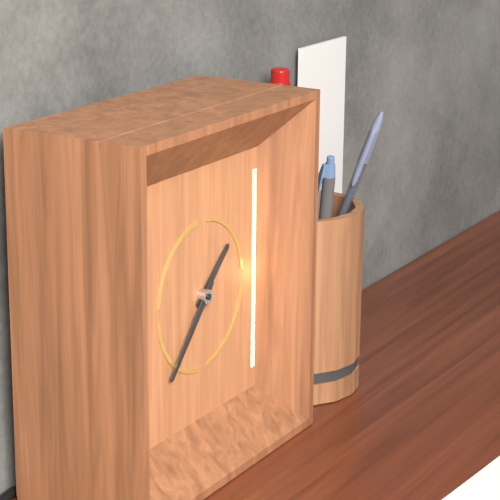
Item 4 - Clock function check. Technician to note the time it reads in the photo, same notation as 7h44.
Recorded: 1h37
